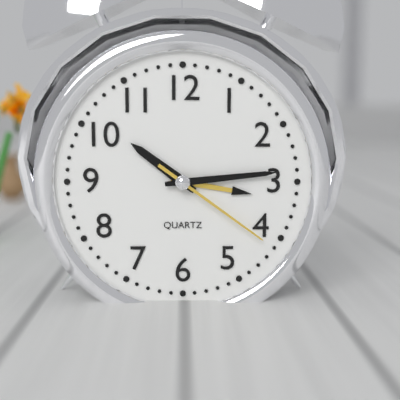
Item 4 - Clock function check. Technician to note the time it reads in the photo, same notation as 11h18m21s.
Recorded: 10h14m21s
